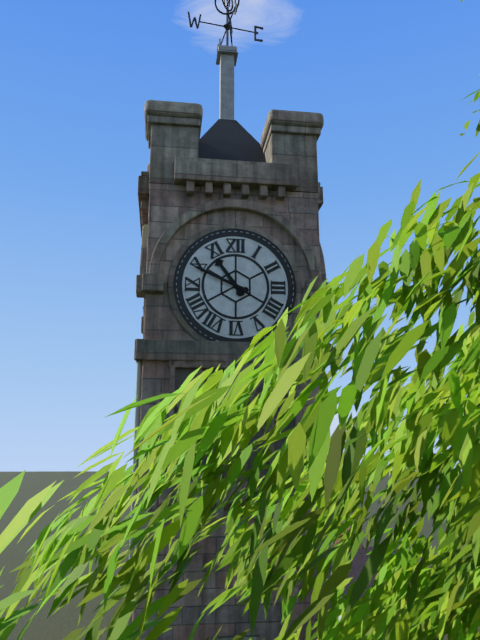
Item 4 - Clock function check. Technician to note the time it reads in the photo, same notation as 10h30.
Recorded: 10h49
